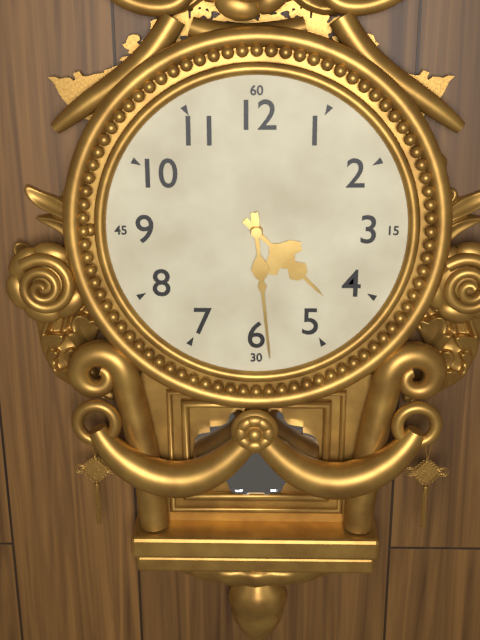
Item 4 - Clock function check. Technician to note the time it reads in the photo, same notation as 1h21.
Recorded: 4h29
